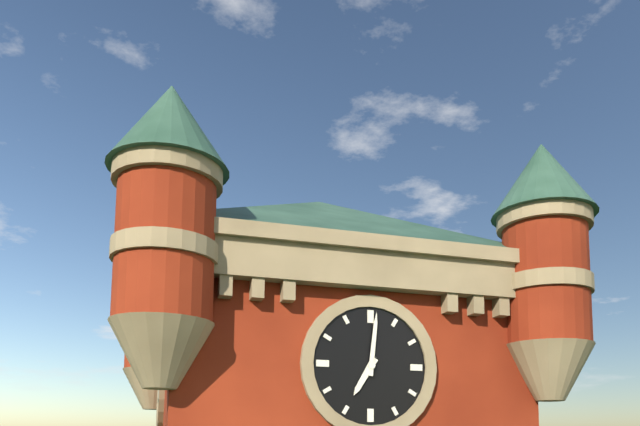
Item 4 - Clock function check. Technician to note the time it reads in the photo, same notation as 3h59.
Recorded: 7h01
